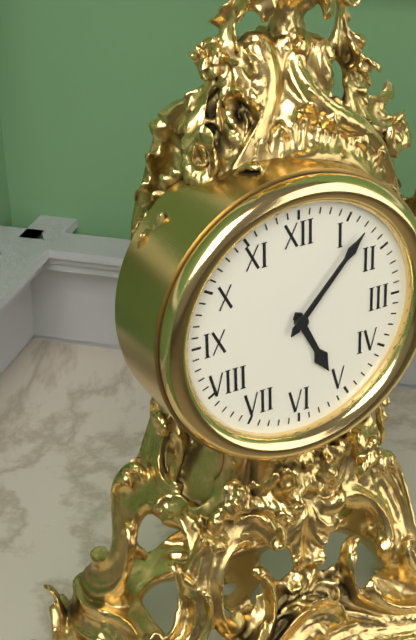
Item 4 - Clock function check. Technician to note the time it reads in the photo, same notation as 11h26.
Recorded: 5h07
